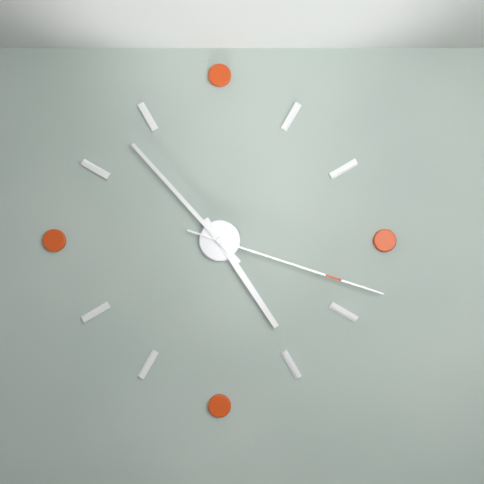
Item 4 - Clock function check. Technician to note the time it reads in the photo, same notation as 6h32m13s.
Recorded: 4h53m18s
